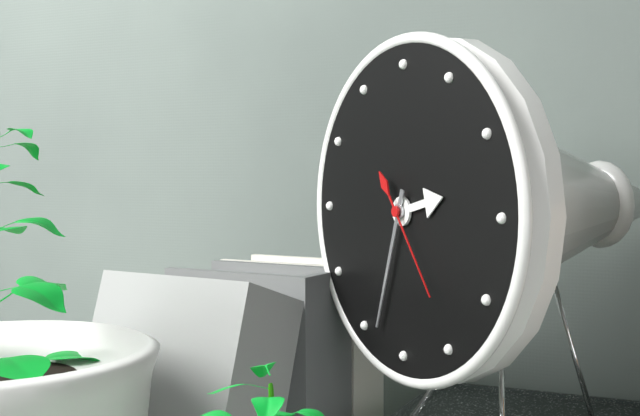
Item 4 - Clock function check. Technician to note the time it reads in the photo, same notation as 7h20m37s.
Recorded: 2h33m24s
